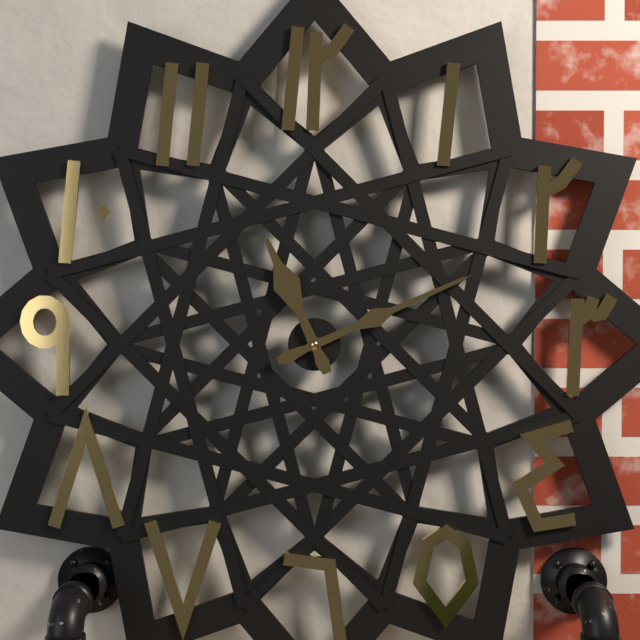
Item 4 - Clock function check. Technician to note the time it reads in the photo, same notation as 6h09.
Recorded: 11h11
